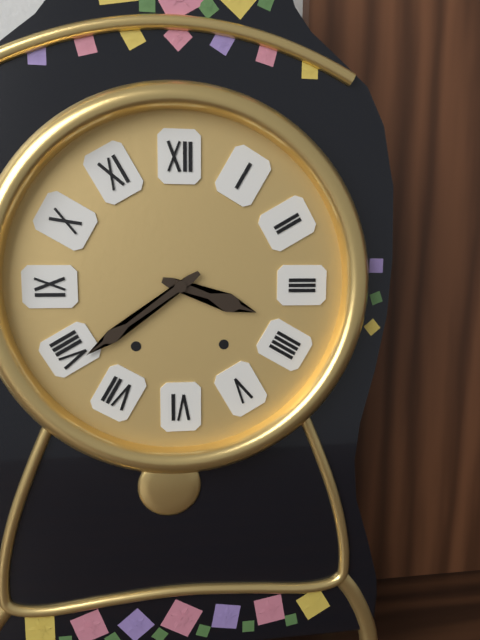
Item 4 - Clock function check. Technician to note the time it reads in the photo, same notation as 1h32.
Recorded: 3h39
